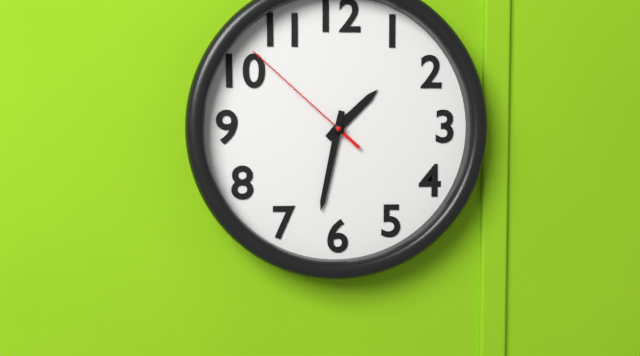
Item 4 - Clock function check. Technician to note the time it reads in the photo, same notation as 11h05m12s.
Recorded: 1h32m52s
